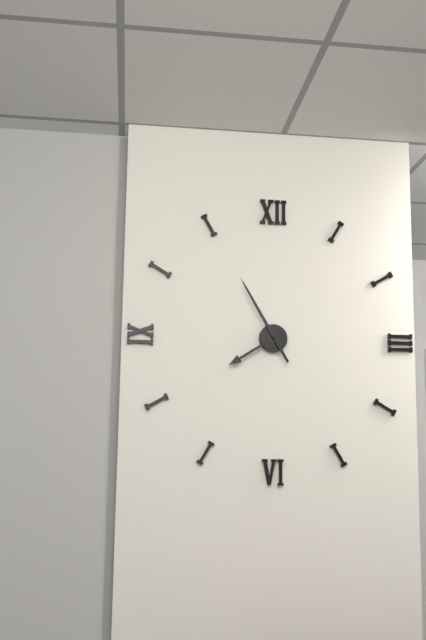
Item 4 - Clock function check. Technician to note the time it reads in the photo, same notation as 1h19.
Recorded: 7h55
